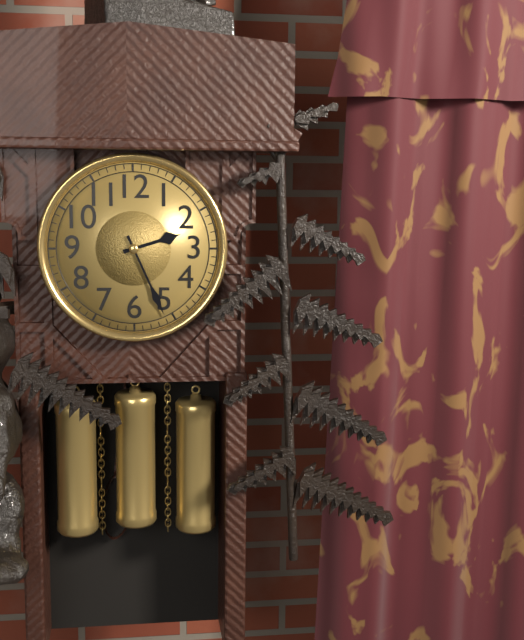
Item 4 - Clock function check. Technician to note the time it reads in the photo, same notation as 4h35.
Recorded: 2h26
